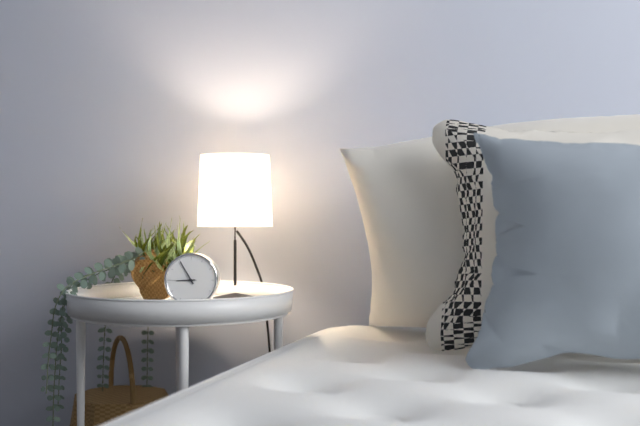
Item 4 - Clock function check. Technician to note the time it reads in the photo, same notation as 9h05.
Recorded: 8h55
